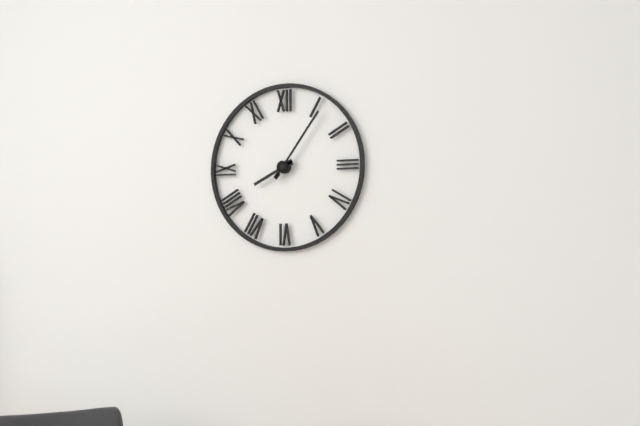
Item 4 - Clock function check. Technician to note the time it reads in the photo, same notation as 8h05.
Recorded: 8h06
